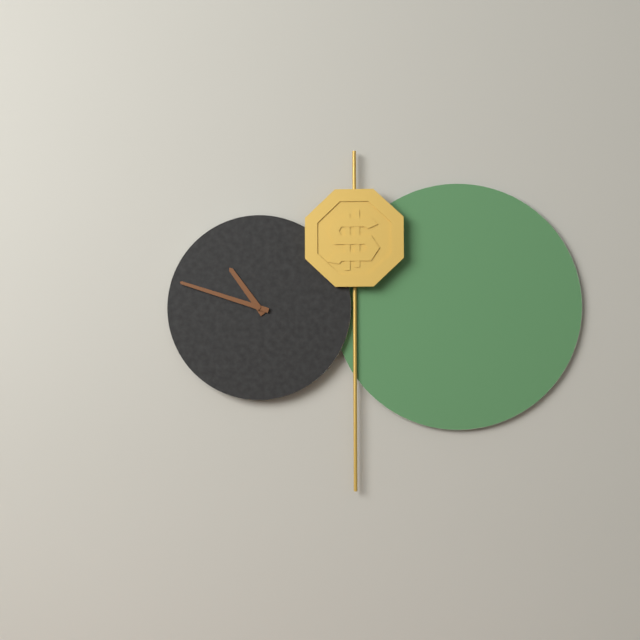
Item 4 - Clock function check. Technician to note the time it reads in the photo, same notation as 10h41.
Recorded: 10h48
